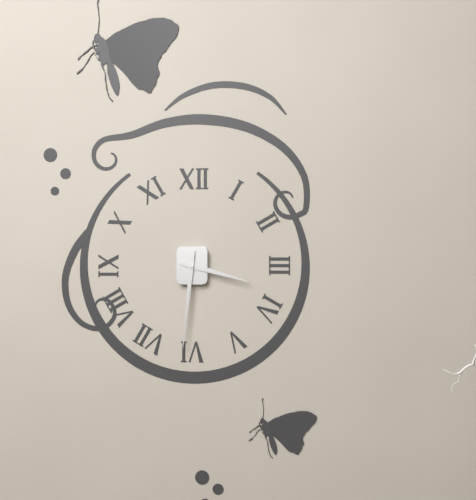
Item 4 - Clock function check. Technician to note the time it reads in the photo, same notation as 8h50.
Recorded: 3h31
